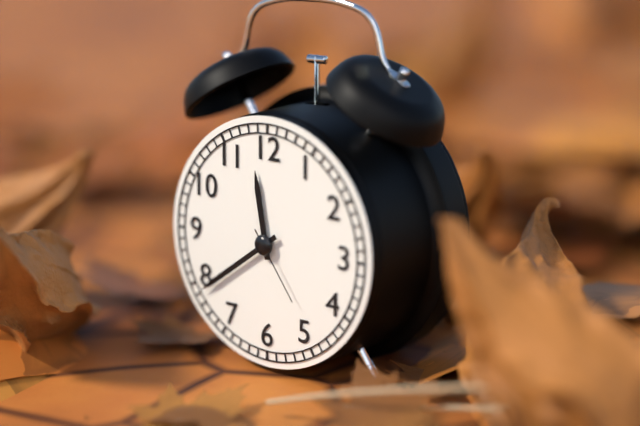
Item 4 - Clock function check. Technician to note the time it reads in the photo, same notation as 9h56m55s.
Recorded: 11h39m24s
